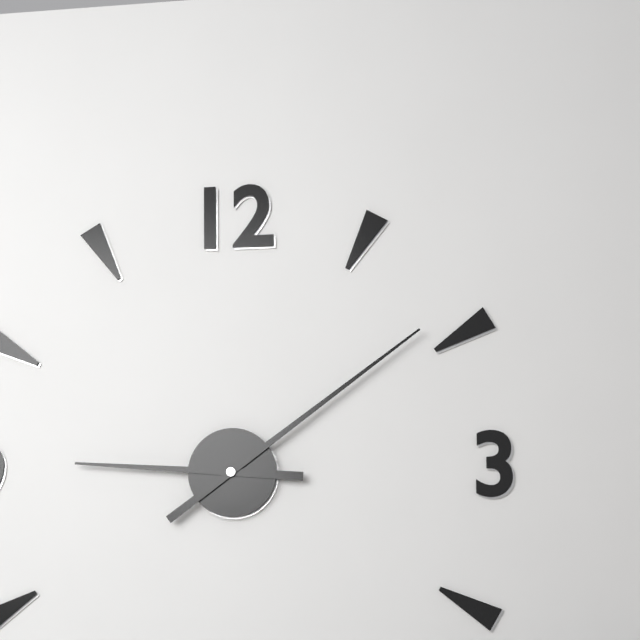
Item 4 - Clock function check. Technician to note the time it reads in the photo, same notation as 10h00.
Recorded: 9h09
